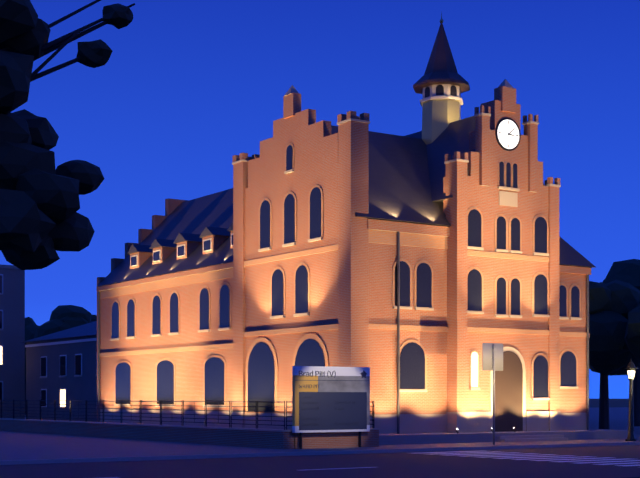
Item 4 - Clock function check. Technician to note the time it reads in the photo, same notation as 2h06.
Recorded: 3h08
